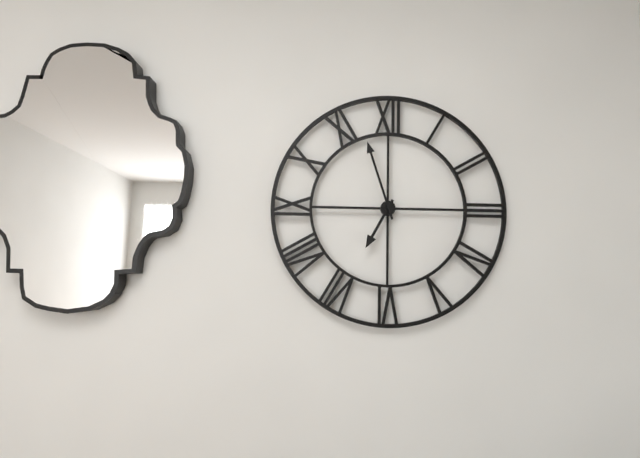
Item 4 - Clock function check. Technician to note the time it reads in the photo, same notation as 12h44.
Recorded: 6h57
